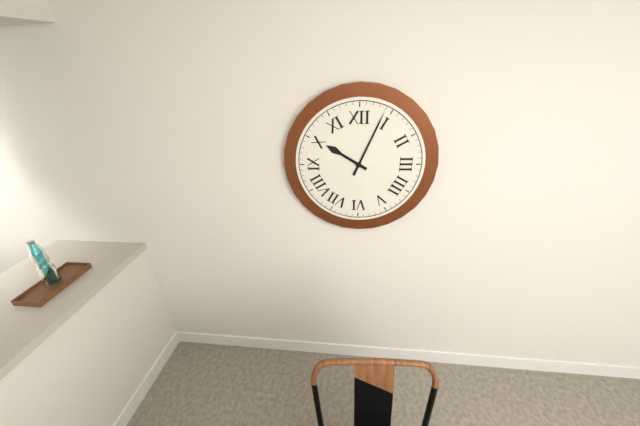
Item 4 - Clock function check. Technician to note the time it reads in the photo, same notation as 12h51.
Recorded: 10h04
